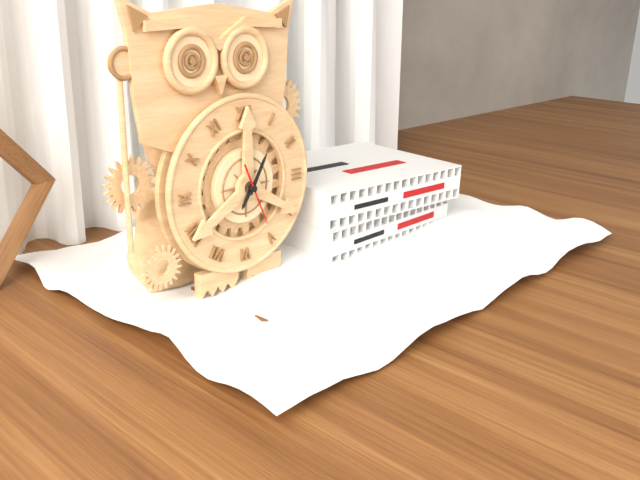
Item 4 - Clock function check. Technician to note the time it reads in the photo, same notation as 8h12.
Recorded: 7h05
